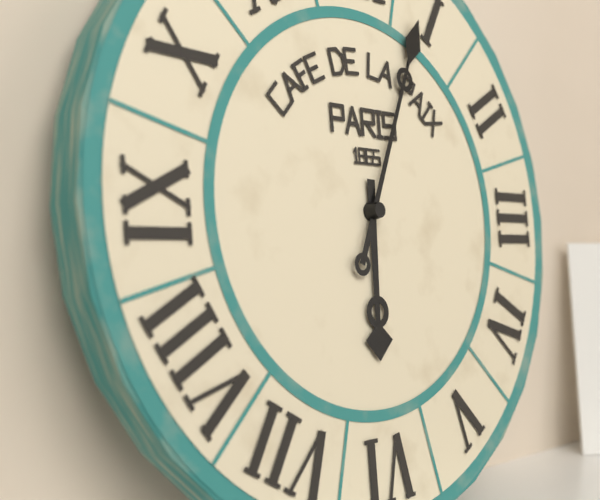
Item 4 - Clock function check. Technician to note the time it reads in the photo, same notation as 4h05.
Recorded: 6h04
